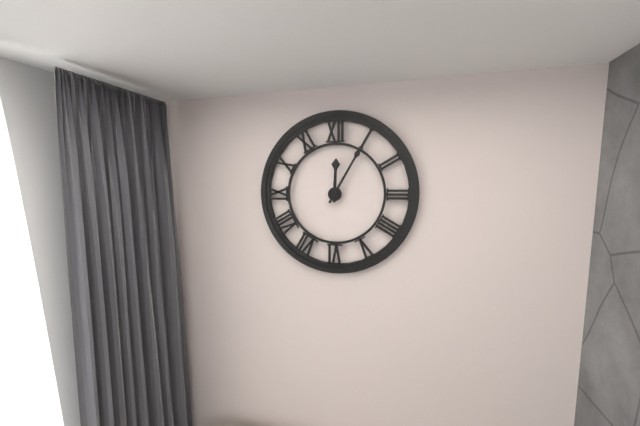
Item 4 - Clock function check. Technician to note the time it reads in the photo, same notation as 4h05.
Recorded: 12h05
